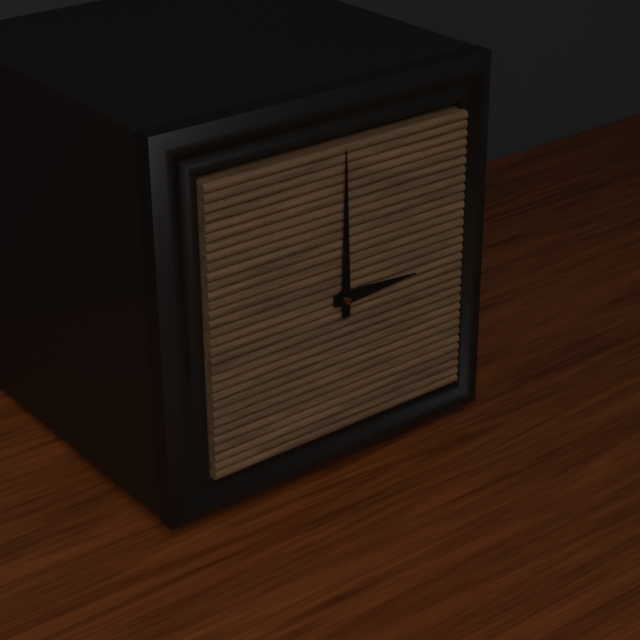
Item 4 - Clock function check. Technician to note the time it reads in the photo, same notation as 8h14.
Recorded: 3h00
